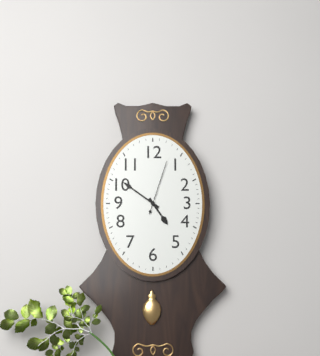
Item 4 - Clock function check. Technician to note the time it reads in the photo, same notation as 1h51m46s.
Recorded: 4h51m03s
